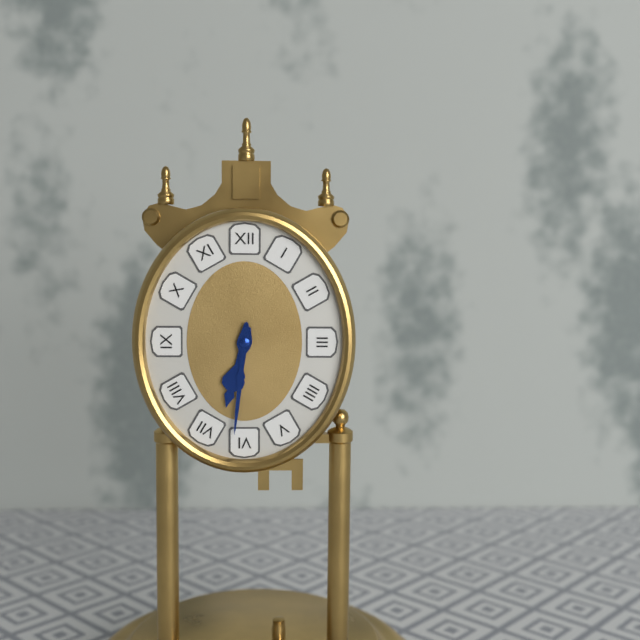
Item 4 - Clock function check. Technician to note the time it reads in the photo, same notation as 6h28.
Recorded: 6h31
